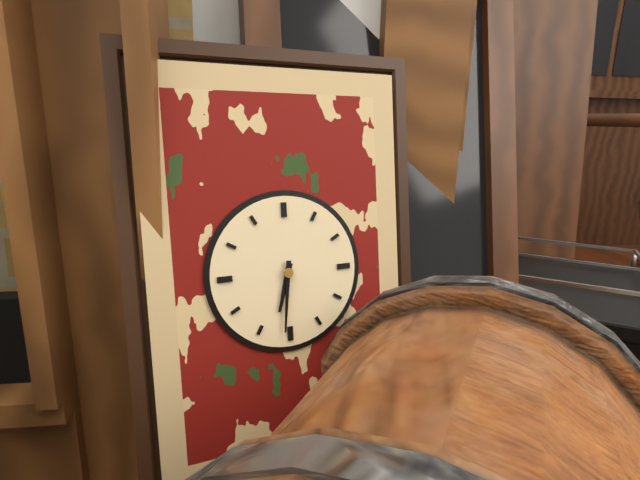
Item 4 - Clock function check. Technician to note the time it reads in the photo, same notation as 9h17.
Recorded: 6h31
